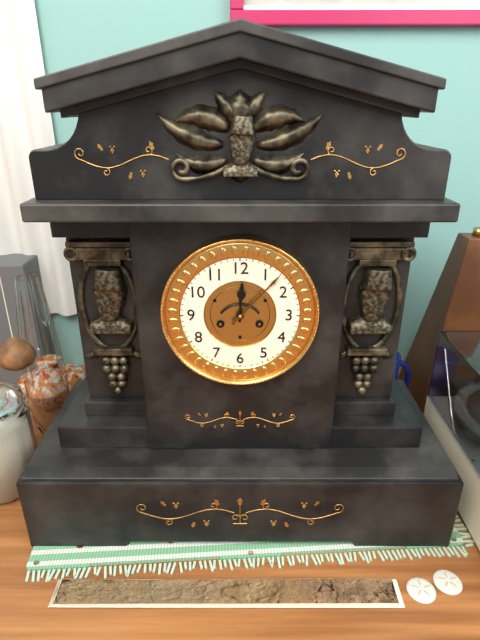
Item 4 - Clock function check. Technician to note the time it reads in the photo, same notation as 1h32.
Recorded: 12h07
